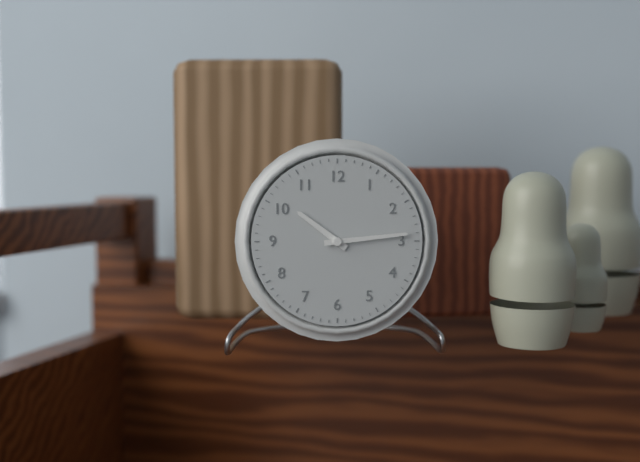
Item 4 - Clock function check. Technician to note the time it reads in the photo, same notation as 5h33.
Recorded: 10h14
